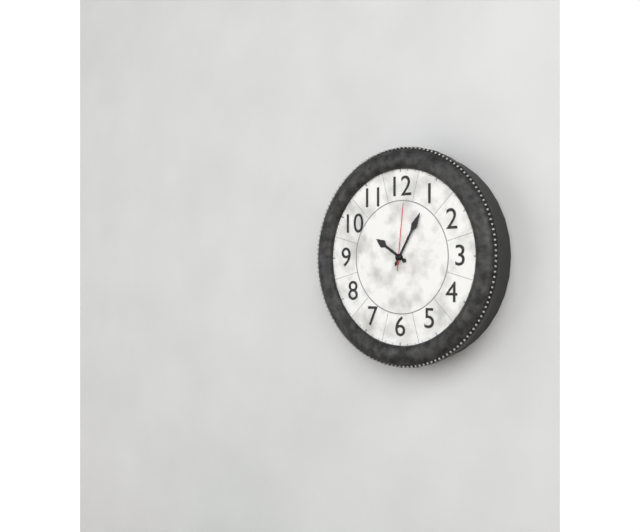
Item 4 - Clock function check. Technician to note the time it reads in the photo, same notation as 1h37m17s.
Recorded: 10h05m01s
